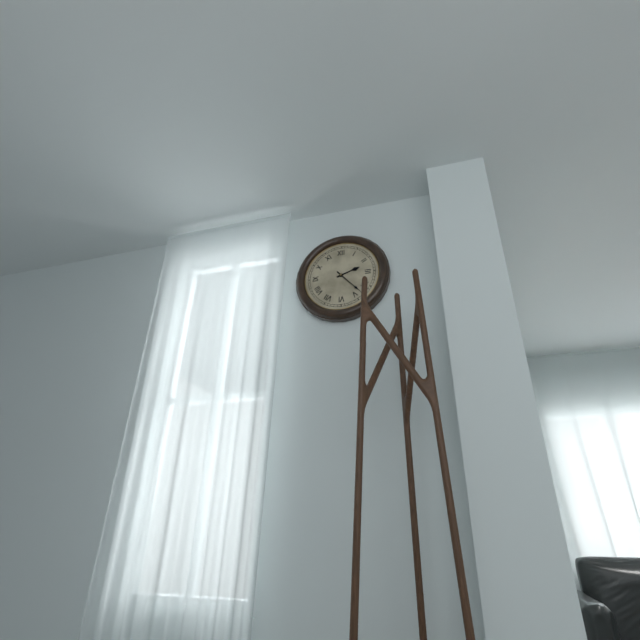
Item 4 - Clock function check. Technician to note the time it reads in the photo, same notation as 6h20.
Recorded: 2h23
